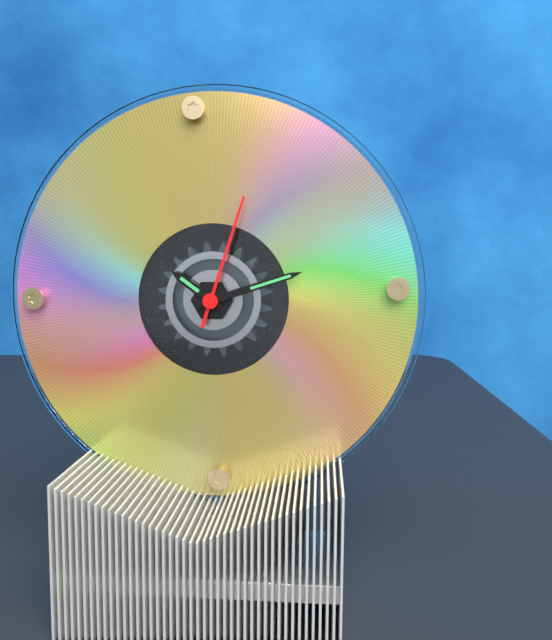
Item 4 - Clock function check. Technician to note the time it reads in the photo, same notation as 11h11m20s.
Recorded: 10h12m03s
